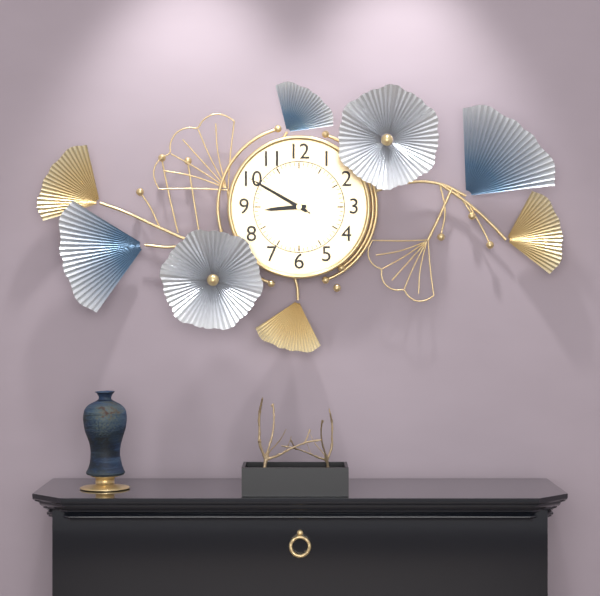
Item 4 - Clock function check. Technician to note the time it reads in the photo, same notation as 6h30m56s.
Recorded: 8h50m50s
